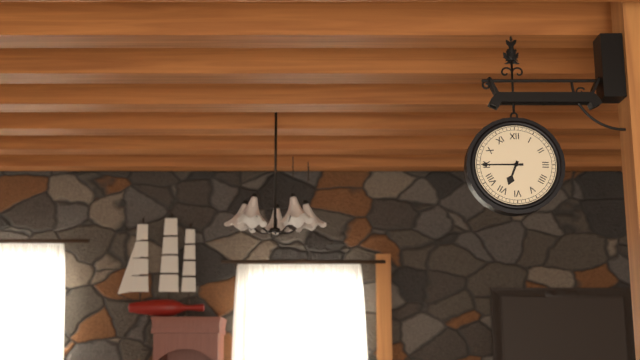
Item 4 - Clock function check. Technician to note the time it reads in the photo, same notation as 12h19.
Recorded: 6h45
